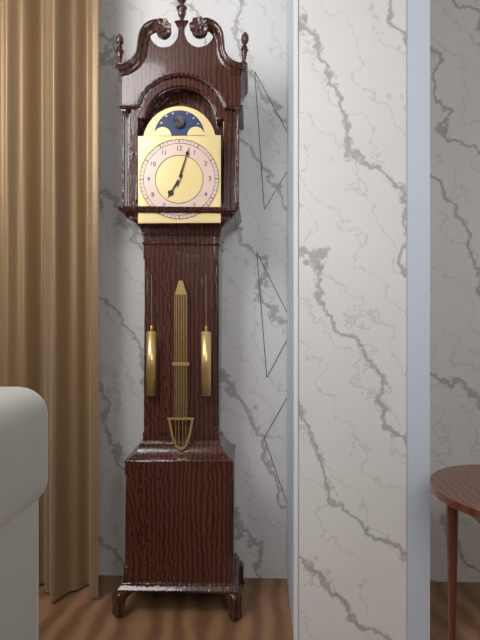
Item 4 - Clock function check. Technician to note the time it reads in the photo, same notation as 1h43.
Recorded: 7h03
